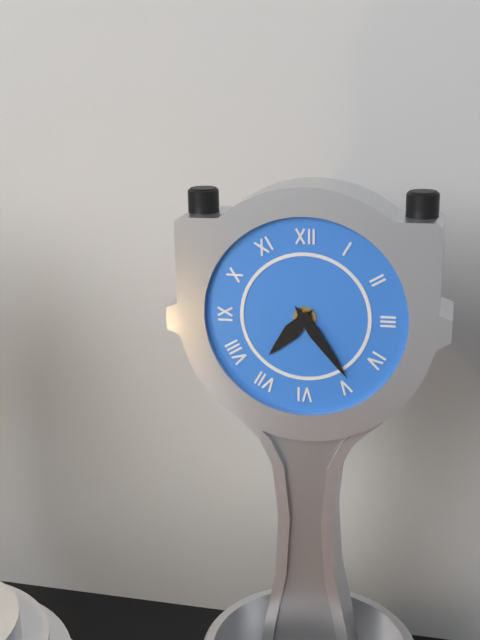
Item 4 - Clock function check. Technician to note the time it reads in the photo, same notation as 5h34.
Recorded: 7h24
